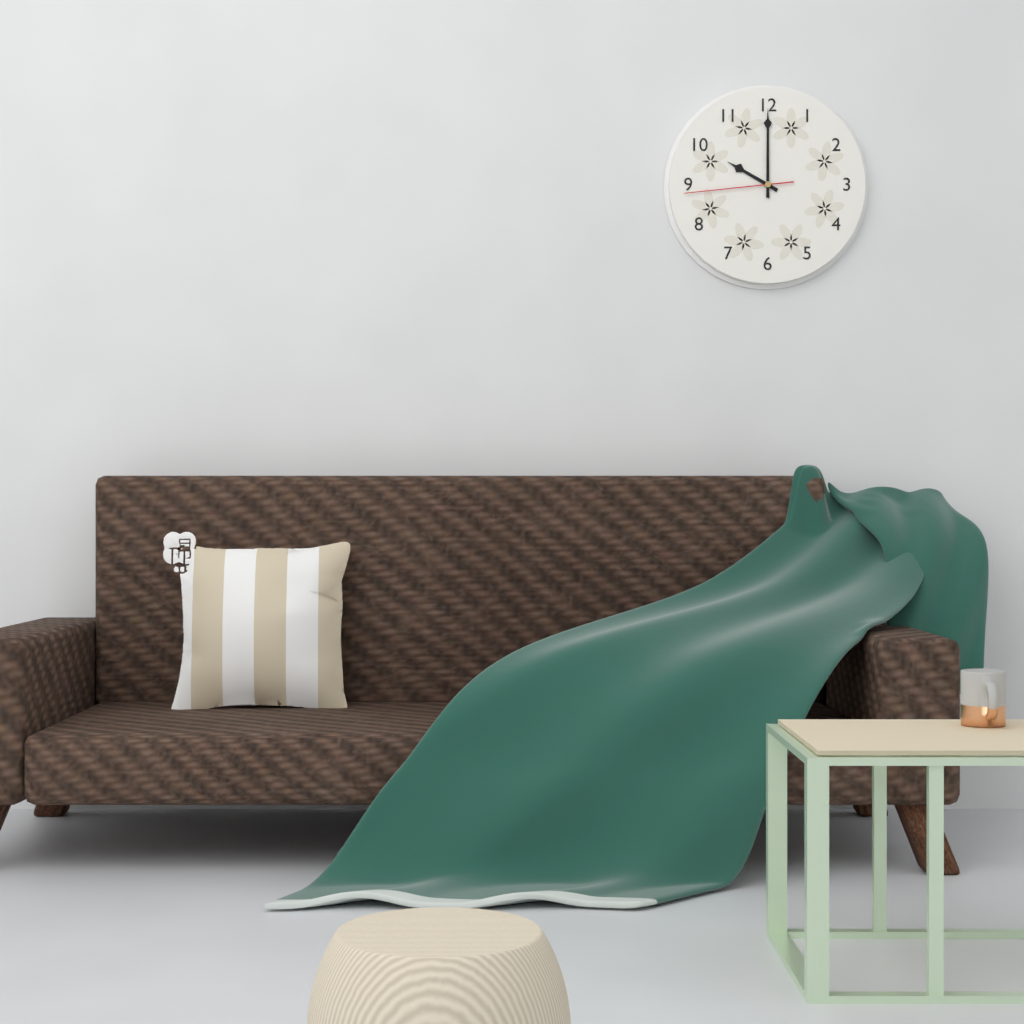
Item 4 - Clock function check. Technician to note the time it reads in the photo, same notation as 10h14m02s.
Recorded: 10h00m44s
